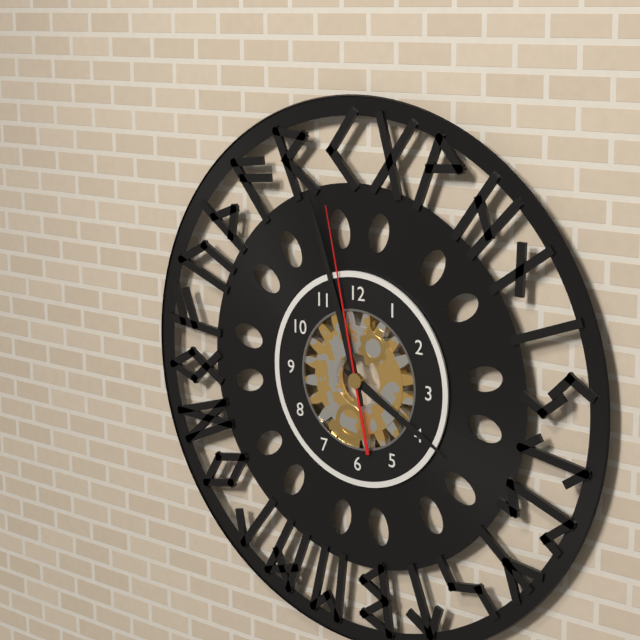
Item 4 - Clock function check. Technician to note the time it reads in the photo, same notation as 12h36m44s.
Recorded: 3h57m58s
